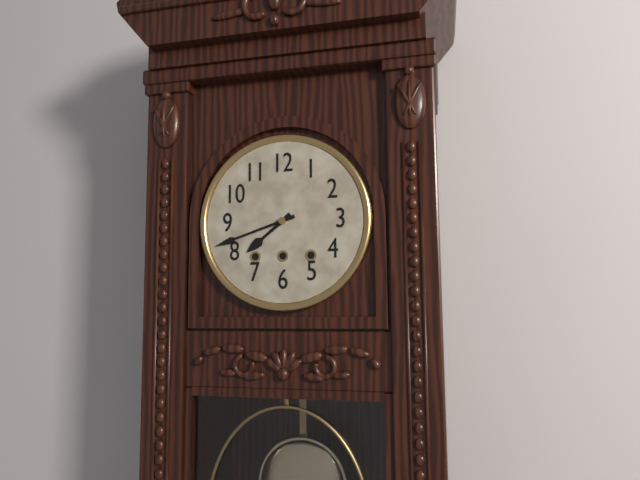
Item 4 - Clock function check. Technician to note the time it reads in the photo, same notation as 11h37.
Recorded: 7h42
